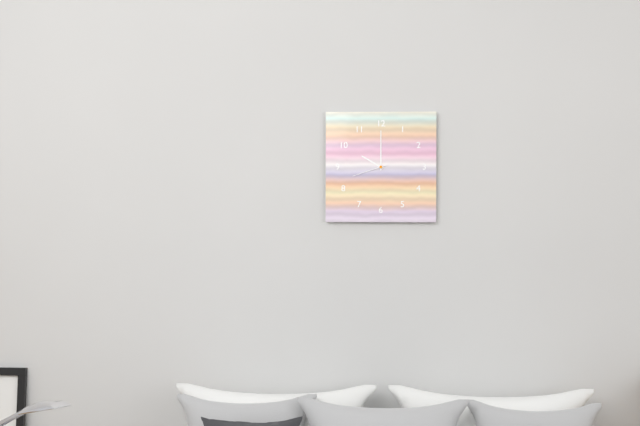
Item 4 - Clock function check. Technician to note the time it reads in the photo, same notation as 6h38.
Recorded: 10h00
